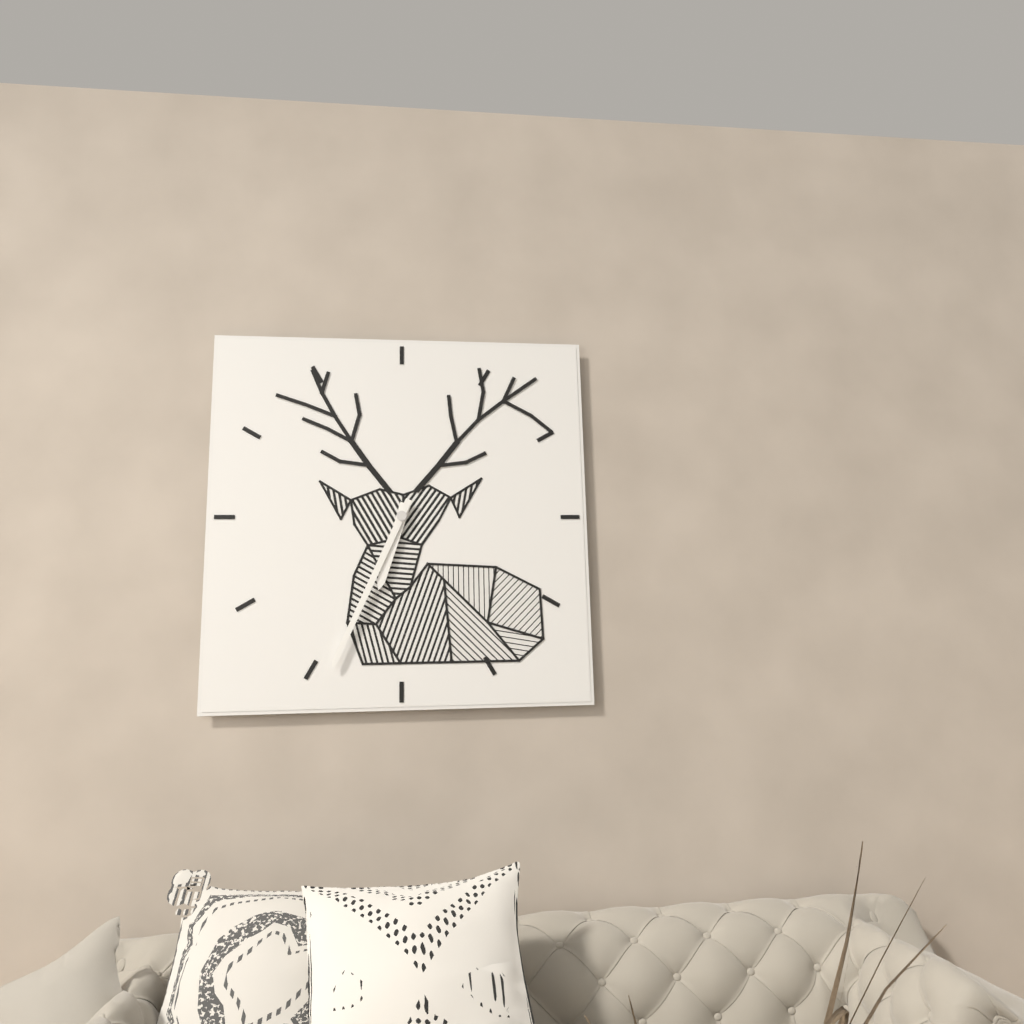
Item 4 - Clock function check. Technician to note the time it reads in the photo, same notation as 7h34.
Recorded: 6h34
